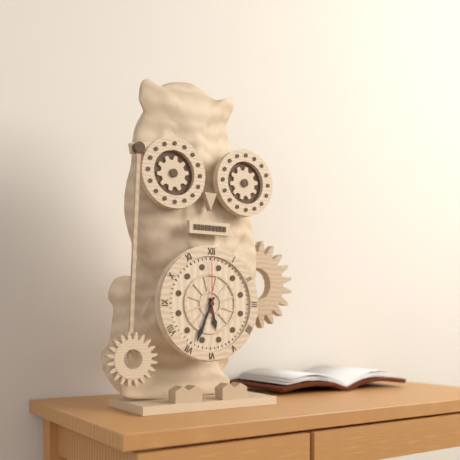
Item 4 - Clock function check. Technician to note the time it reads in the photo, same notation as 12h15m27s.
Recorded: 5h34m00s
